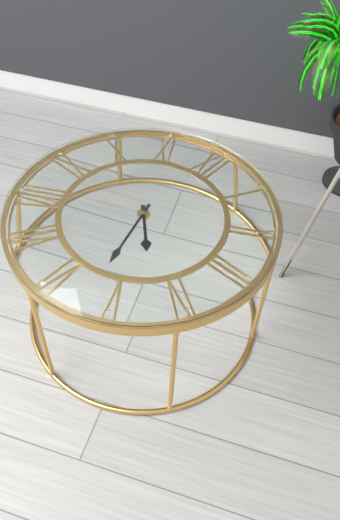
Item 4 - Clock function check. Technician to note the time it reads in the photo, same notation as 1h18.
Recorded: 4h27
